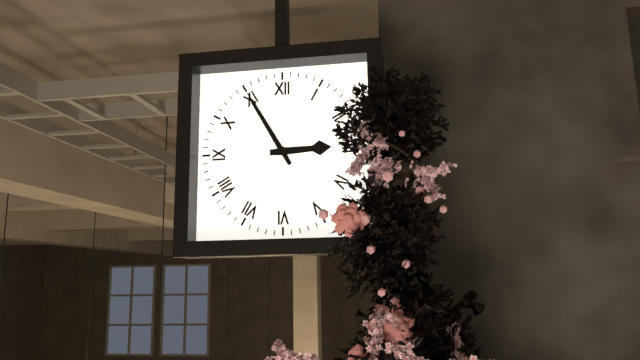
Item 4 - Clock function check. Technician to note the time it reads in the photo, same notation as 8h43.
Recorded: 2h55
